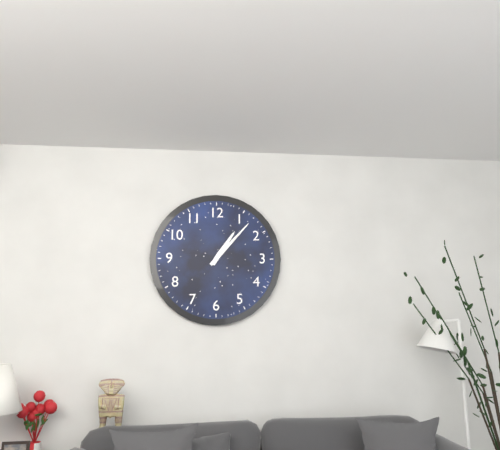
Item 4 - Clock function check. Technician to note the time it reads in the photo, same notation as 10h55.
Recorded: 1h07
